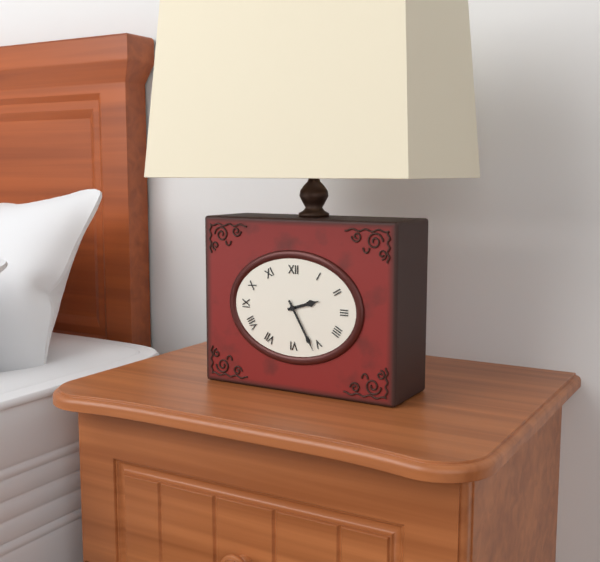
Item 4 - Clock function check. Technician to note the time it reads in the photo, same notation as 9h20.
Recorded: 2h25
